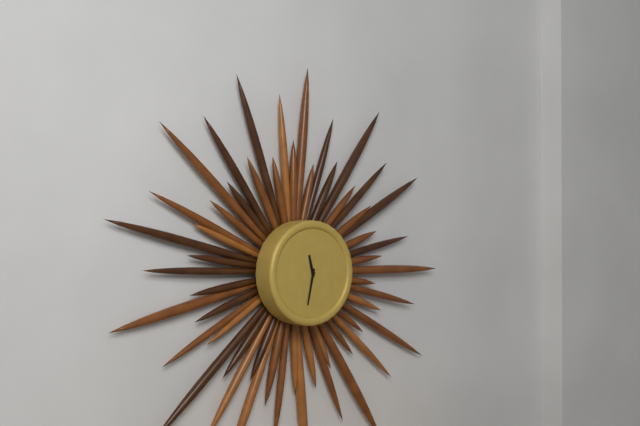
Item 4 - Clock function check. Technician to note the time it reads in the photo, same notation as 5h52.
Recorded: 11h32
